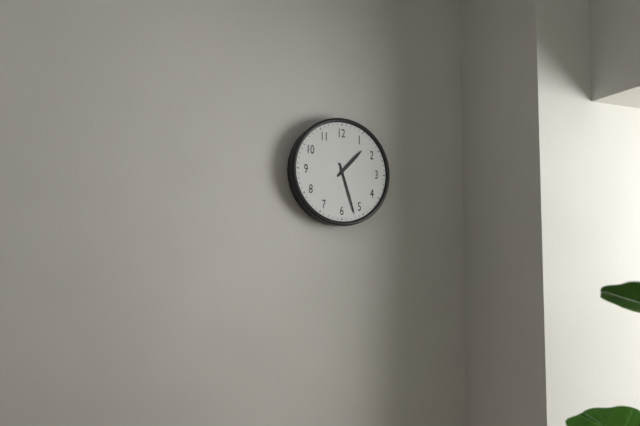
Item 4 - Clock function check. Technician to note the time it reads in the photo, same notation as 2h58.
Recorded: 1h27
